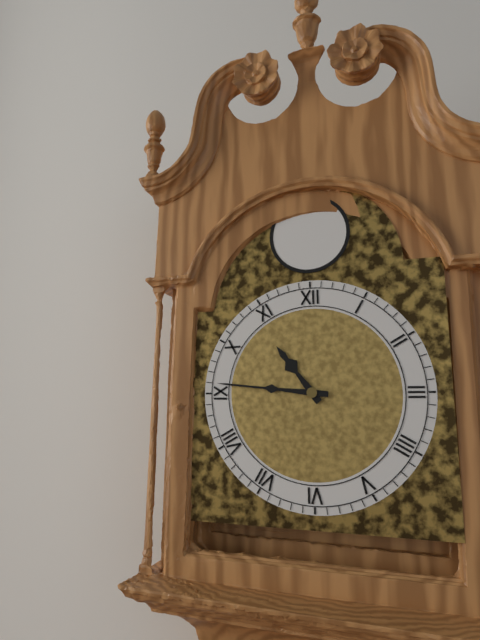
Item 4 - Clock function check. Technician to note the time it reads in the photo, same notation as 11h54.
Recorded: 10h46
